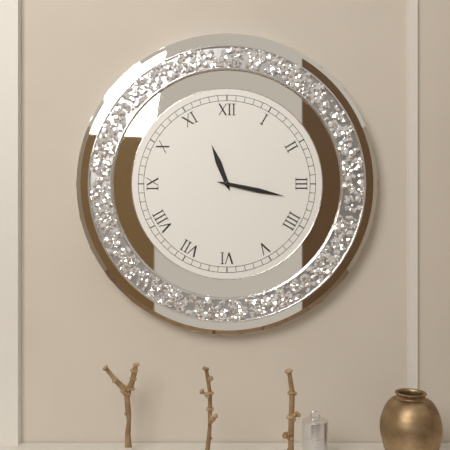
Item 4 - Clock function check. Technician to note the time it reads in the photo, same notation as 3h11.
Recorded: 11h17
